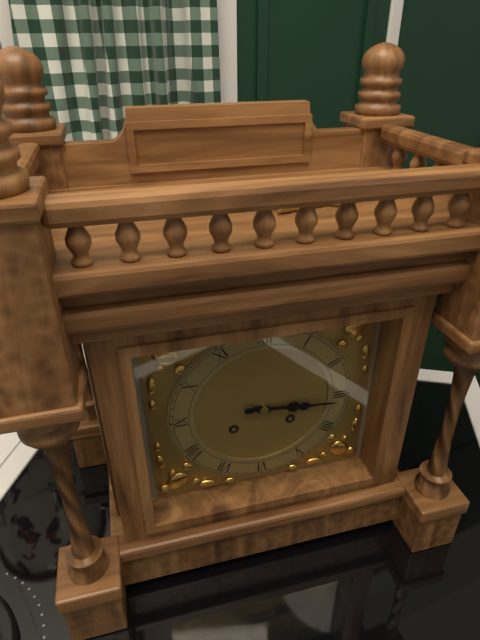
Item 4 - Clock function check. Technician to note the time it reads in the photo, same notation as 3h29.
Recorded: 3h16
